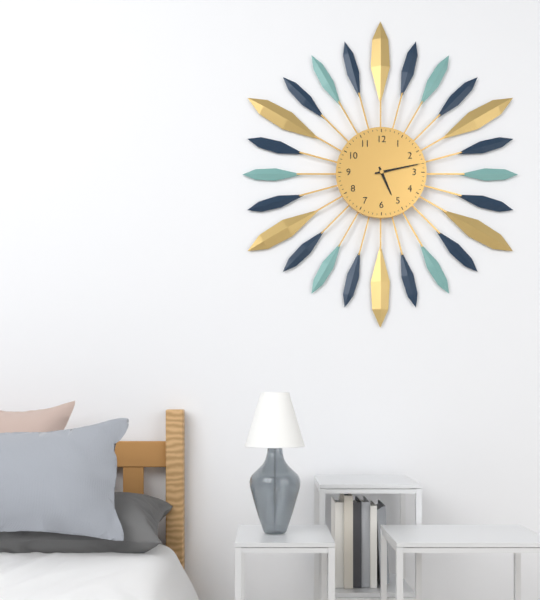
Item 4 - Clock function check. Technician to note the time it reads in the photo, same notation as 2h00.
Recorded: 5h13
